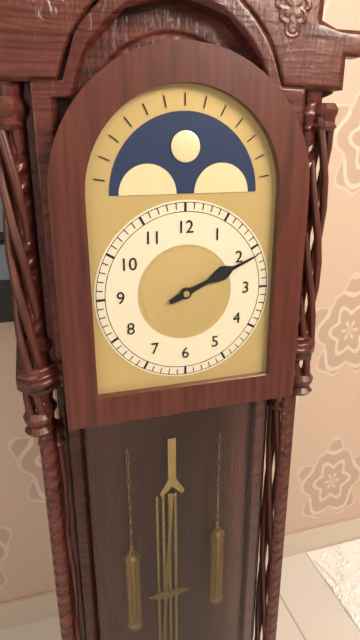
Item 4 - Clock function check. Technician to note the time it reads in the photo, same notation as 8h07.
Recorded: 2h11
